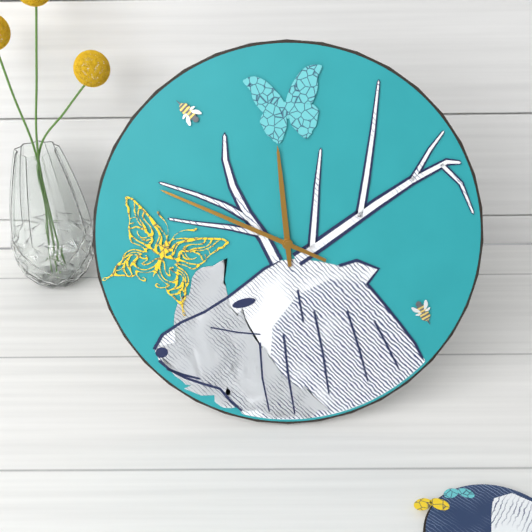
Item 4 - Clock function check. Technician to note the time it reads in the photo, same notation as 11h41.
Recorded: 11h49
